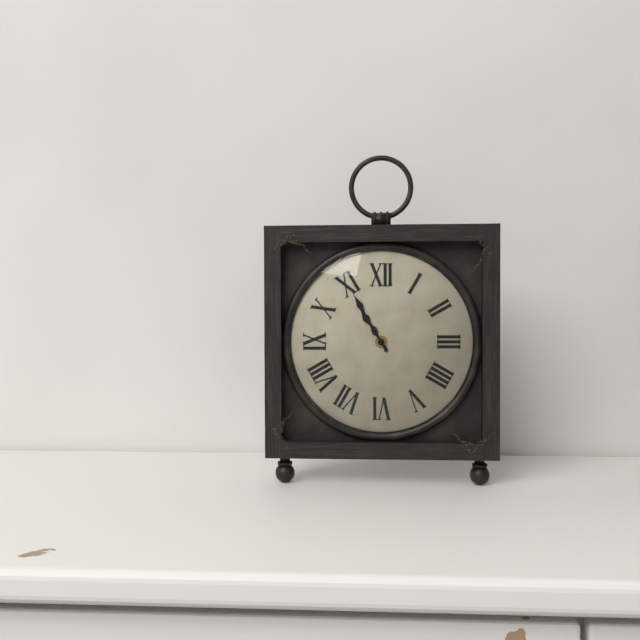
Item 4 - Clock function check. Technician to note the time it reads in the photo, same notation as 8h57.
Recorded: 10h55
